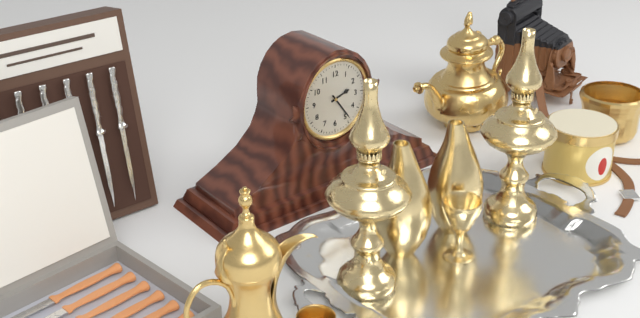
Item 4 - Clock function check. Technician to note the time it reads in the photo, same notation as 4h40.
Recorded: 2h24
